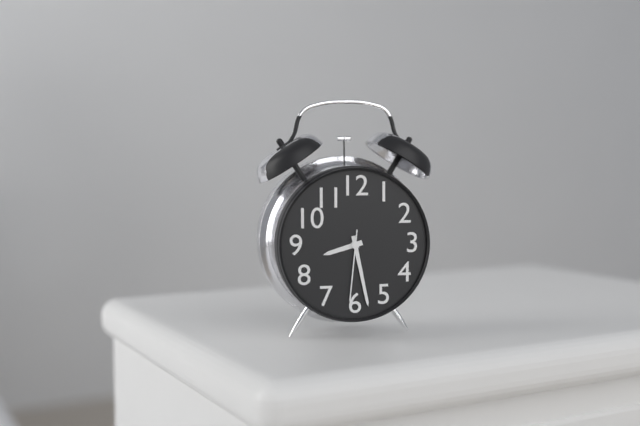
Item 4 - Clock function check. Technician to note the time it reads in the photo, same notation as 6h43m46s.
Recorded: 8h28m31s
